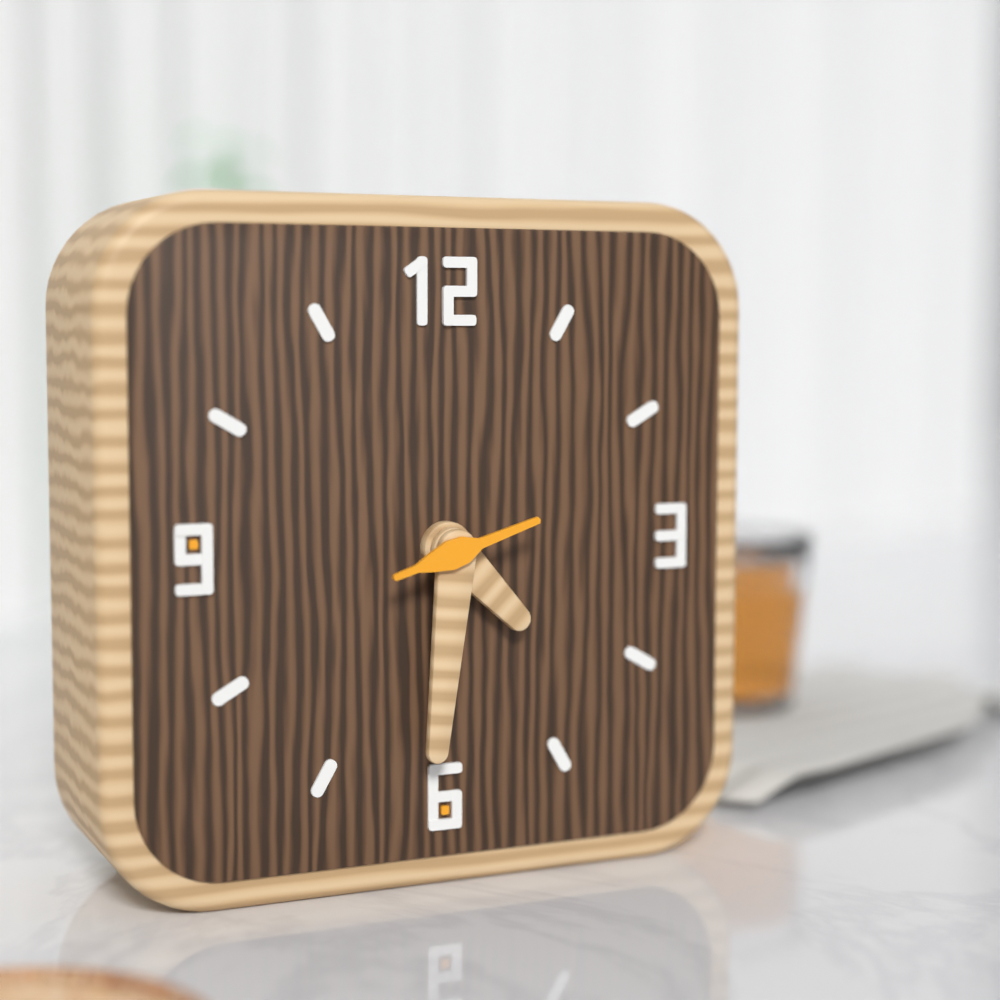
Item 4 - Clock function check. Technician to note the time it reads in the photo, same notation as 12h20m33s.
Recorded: 4h31m12s
